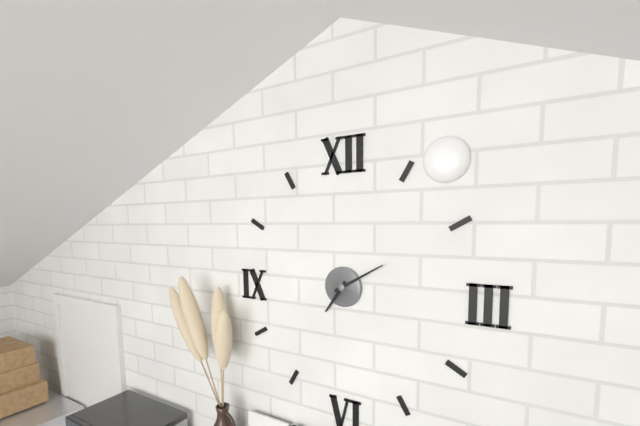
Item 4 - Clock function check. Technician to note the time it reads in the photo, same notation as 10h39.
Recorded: 7h10
